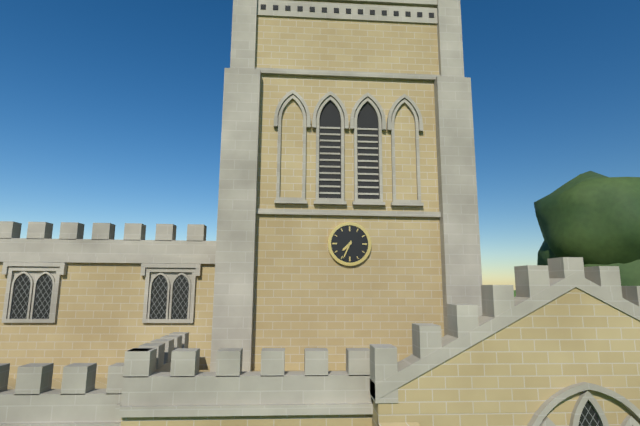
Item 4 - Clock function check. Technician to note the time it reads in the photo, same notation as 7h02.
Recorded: 7h34
